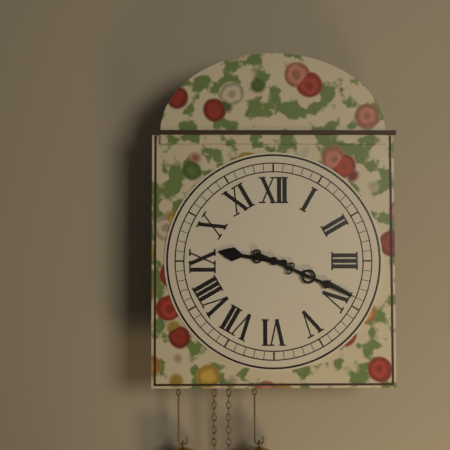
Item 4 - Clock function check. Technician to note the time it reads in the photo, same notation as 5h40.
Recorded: 9h19
